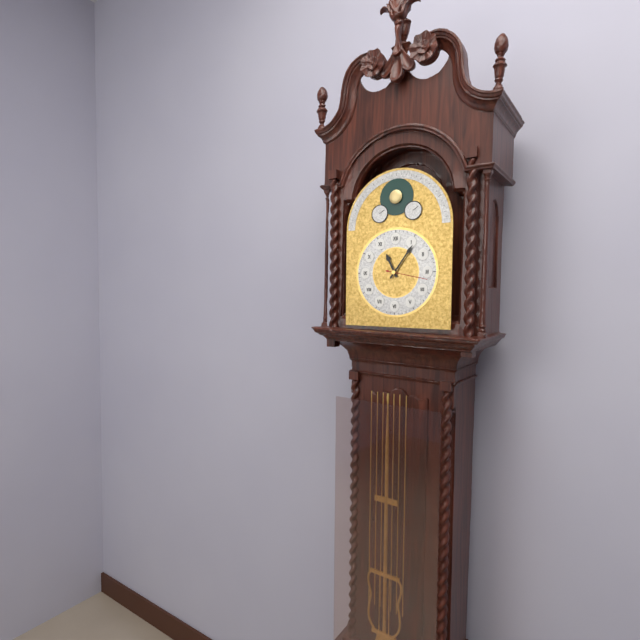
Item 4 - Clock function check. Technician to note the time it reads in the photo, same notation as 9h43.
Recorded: 11h06
